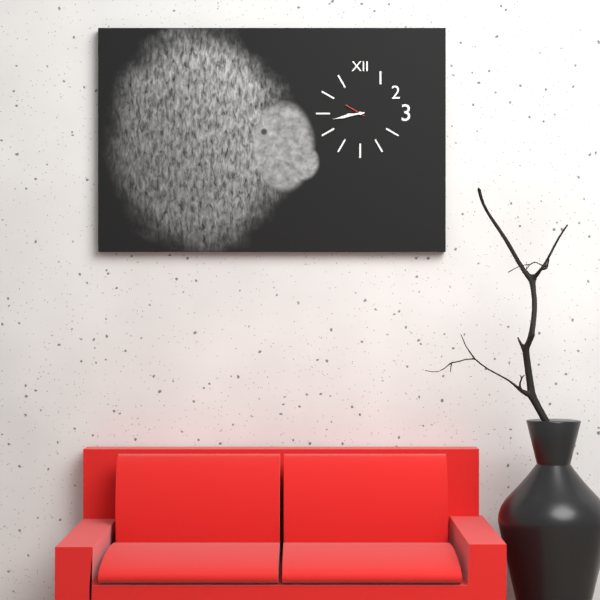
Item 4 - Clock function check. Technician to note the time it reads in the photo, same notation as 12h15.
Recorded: 8h43
